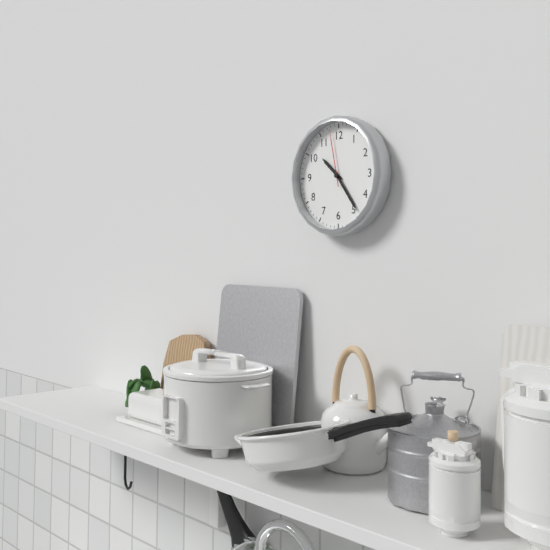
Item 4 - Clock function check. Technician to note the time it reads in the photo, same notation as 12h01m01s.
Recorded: 10h24m58s
